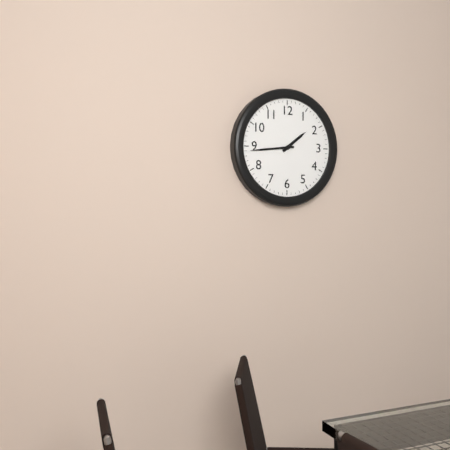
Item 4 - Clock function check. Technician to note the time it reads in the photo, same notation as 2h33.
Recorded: 1h44
